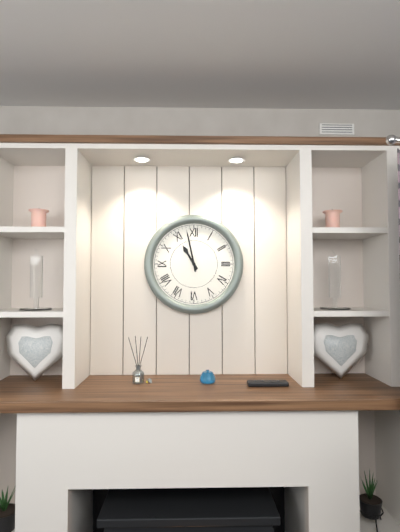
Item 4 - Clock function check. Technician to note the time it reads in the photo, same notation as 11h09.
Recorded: 10h58
